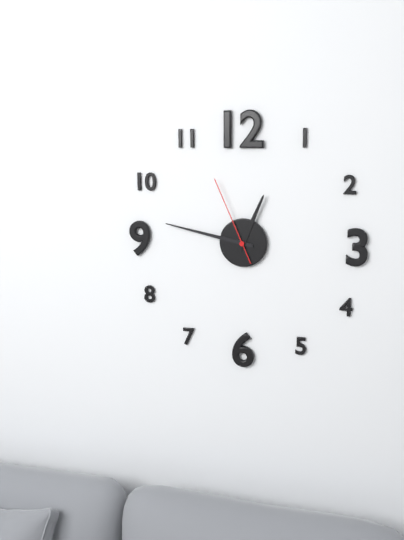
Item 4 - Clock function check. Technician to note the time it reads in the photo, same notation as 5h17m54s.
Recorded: 12h47m56s
